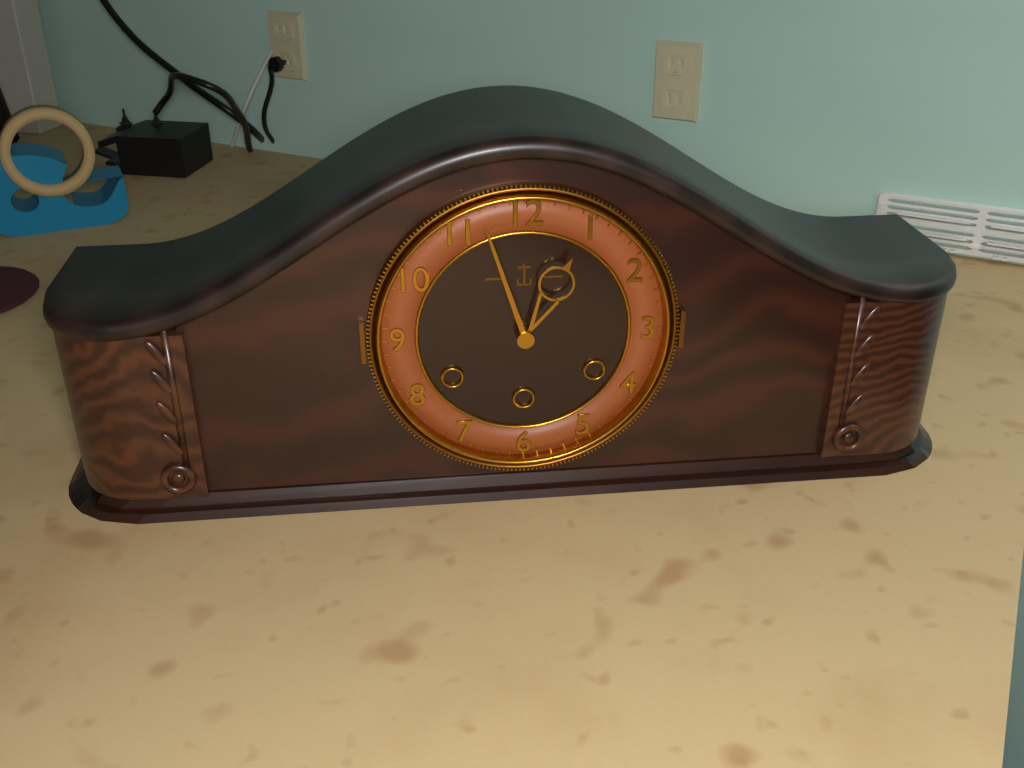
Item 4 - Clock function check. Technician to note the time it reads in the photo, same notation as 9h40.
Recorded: 12h57
